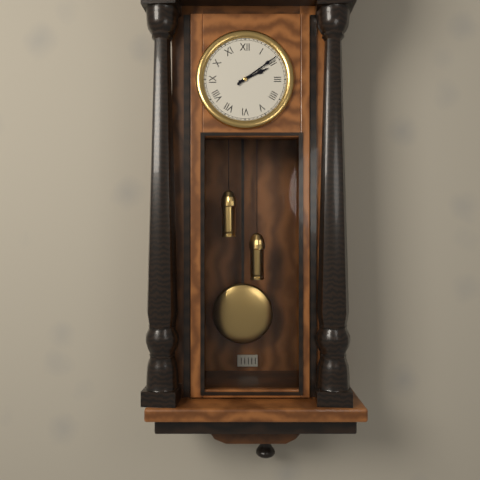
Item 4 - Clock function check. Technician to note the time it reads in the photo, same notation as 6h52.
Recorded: 2h09
